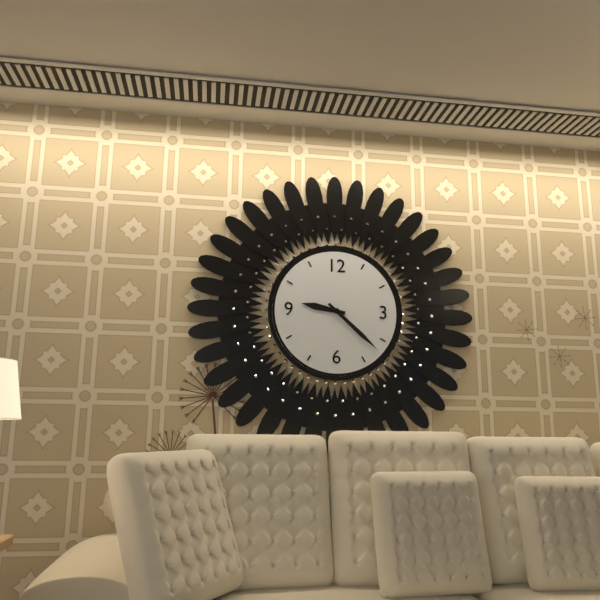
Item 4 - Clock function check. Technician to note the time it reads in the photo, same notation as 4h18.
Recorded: 9h22
